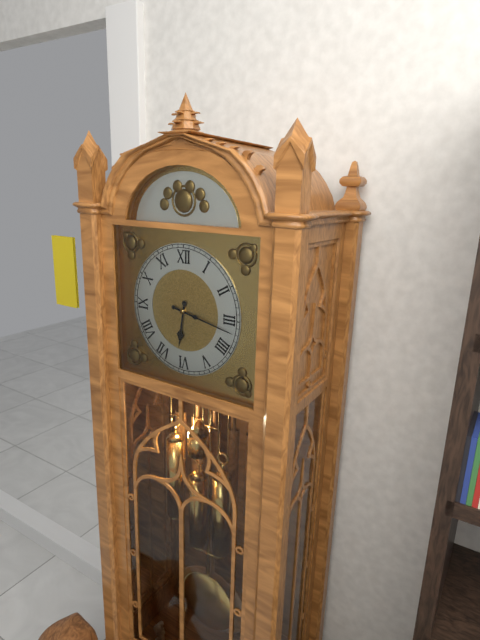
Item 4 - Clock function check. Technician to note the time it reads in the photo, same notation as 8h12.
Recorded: 6h17
